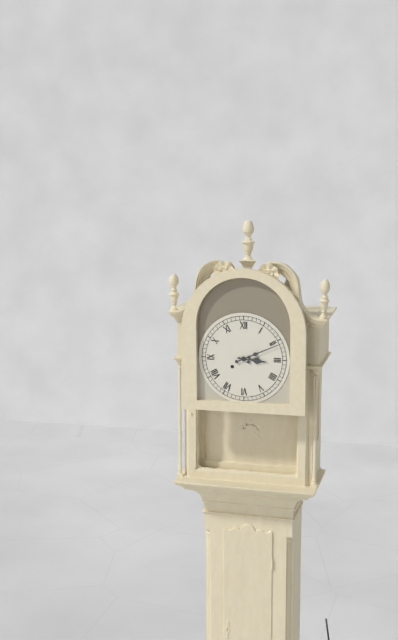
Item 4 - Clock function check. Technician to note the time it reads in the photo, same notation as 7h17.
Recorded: 3h11
